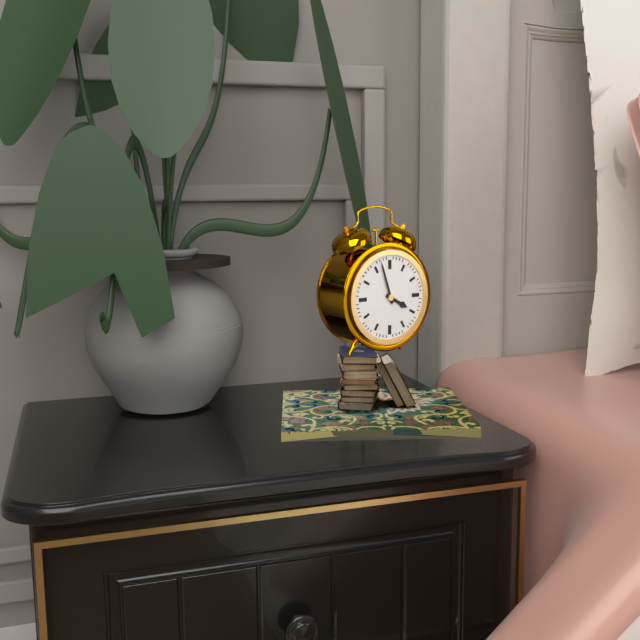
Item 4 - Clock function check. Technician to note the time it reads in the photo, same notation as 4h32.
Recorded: 3h57
